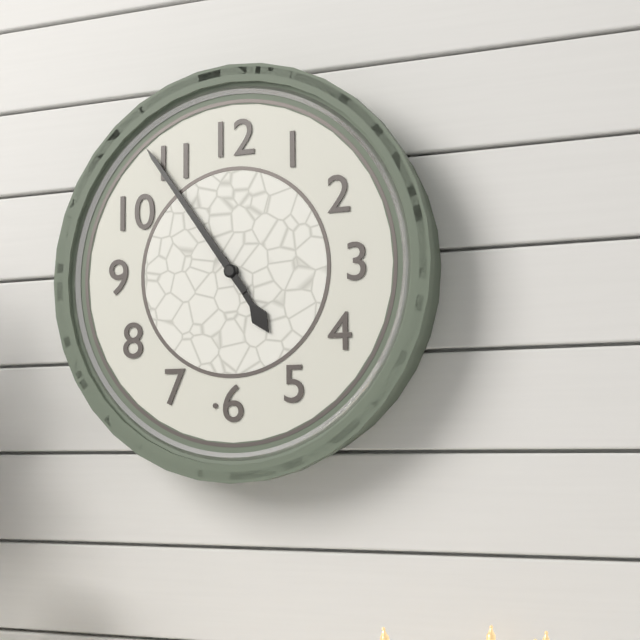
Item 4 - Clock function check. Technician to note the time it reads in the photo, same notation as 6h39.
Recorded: 4h54
